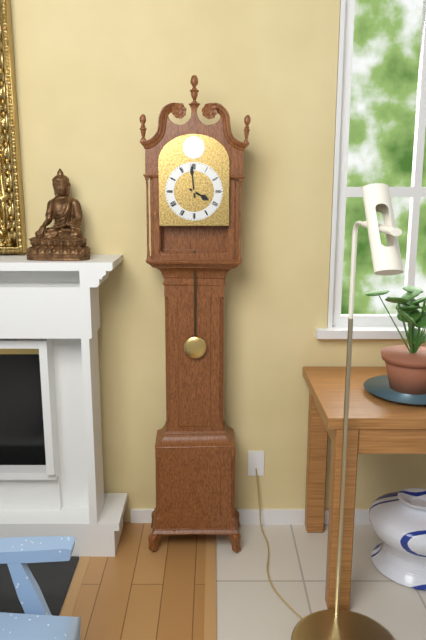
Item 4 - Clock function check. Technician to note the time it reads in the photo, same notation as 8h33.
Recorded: 3h59
